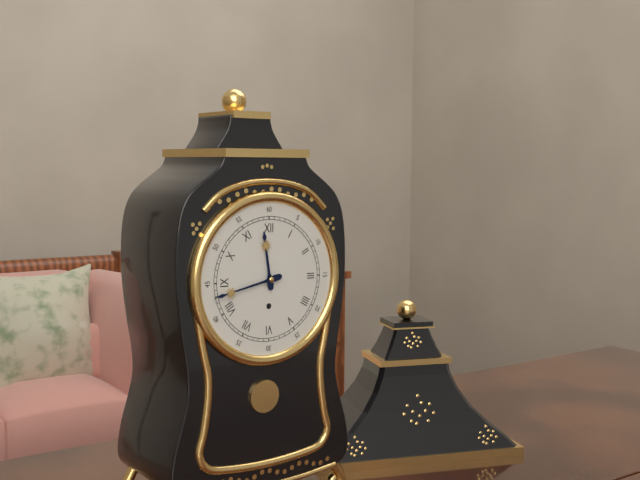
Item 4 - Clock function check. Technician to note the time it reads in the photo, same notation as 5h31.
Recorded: 11h43
